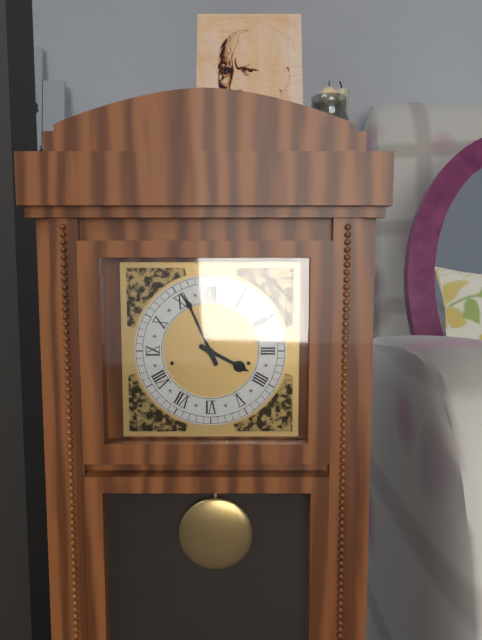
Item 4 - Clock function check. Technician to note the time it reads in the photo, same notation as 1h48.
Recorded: 3h56
